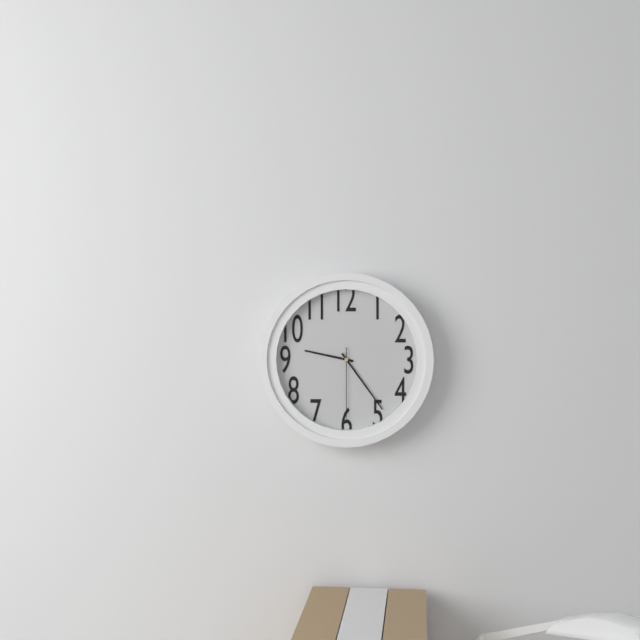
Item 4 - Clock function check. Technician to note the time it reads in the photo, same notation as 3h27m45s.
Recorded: 9h24m30s
